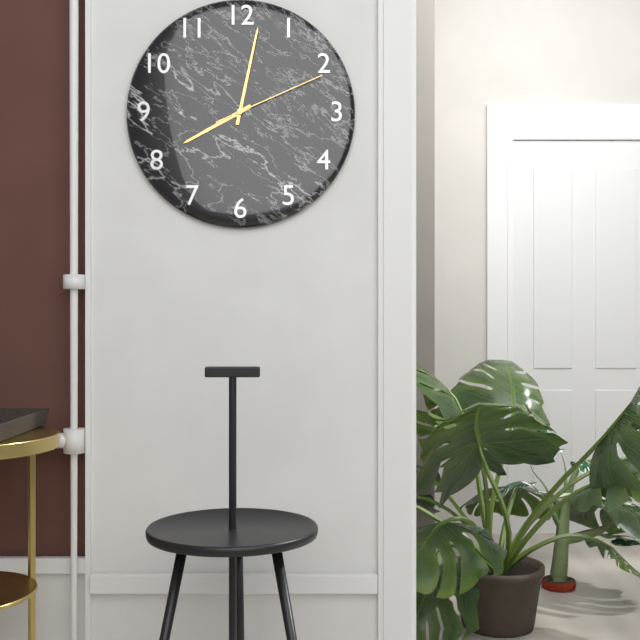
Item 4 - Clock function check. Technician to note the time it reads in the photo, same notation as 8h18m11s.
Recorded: 8h02m11s
